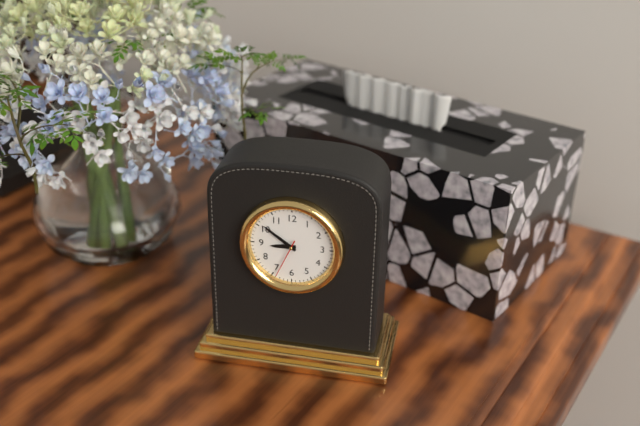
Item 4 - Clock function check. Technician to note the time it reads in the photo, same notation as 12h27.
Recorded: 8h51
